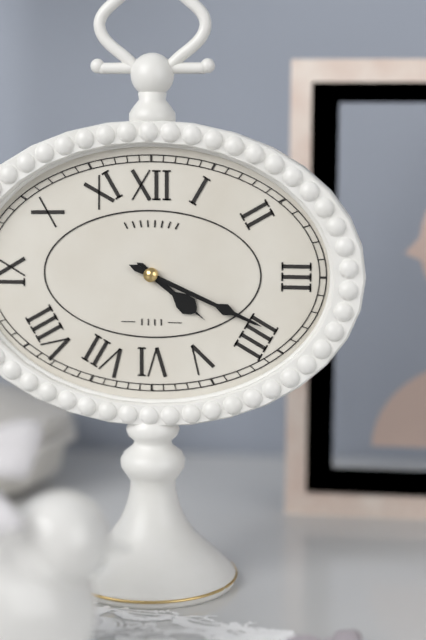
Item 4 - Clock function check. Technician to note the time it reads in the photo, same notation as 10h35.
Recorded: 4h19
